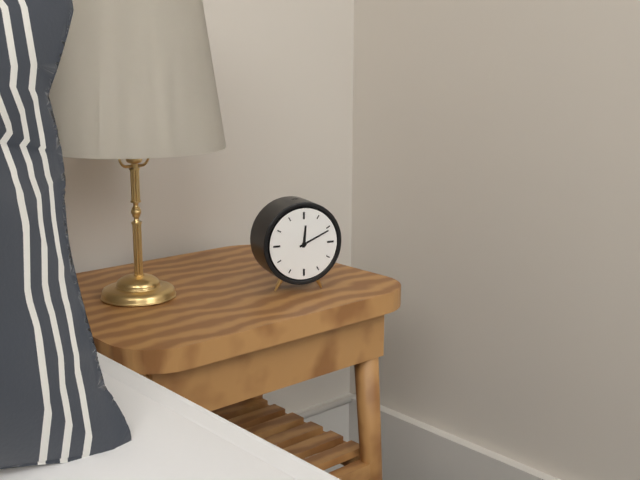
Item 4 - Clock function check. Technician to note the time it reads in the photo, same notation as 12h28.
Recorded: 12h11
